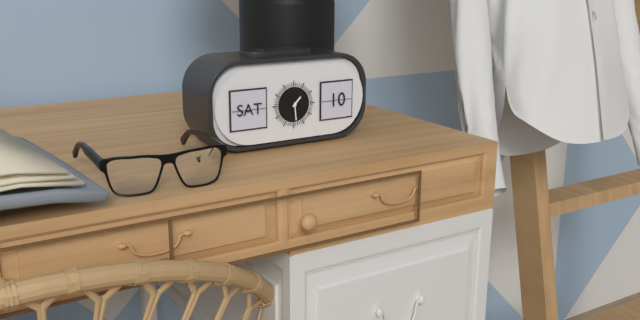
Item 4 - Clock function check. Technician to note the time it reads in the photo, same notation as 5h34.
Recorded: 1h29
